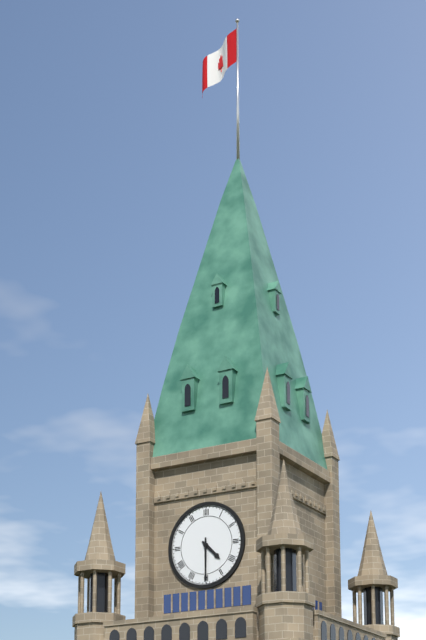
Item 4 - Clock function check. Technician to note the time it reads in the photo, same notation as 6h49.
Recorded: 4h30
